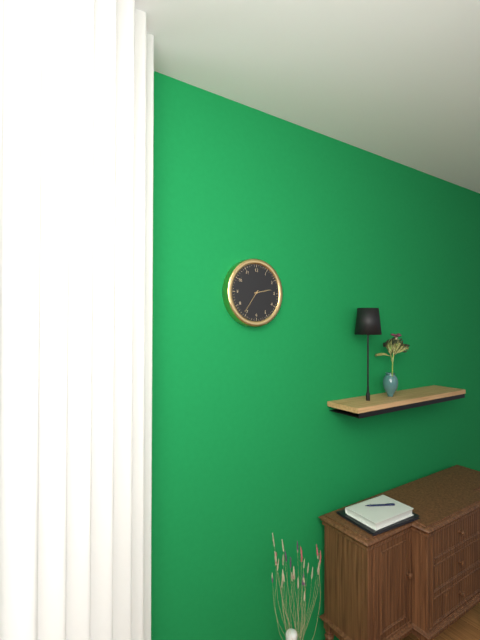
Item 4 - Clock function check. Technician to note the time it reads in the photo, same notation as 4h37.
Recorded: 2h36
